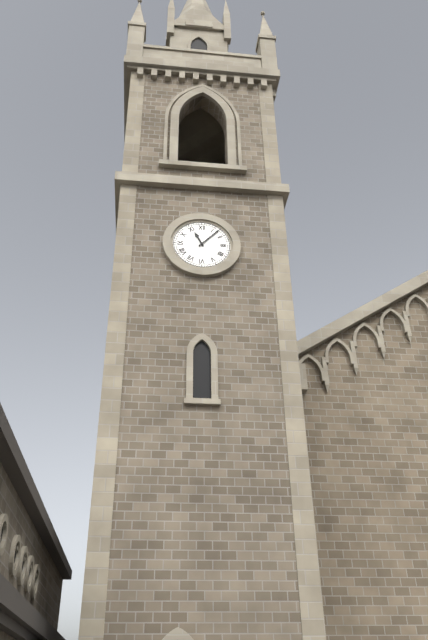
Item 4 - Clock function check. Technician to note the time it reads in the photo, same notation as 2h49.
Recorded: 11h07
